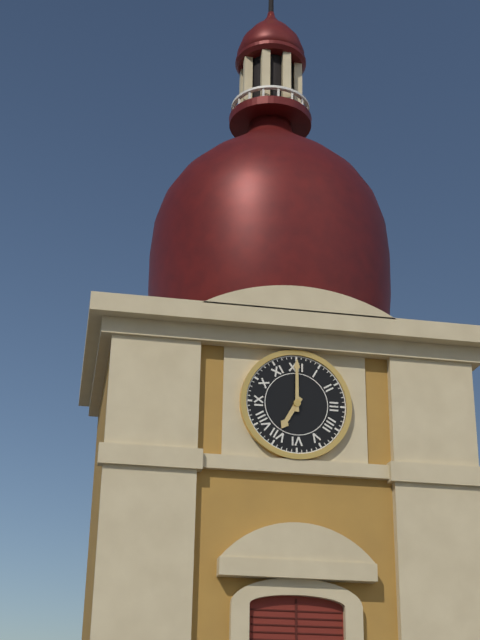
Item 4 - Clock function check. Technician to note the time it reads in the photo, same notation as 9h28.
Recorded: 7h00
